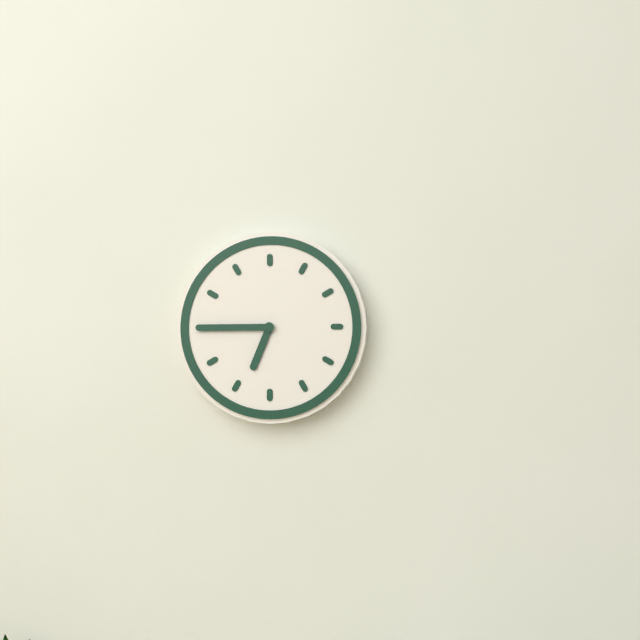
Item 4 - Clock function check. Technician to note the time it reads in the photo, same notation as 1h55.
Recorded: 6h45
